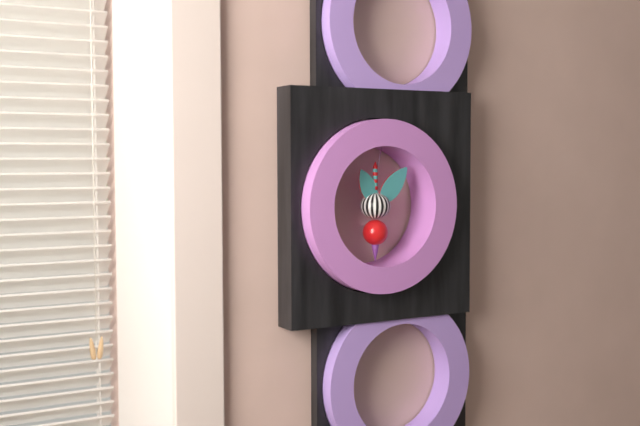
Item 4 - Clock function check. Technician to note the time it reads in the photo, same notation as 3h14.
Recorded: 11h07
